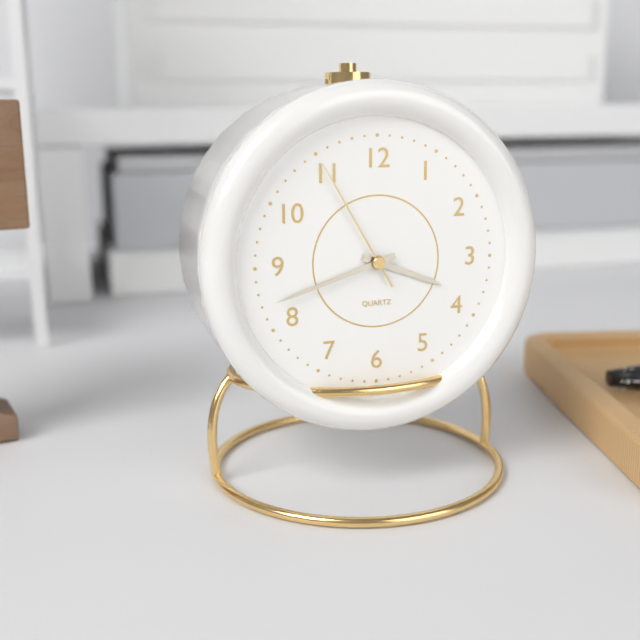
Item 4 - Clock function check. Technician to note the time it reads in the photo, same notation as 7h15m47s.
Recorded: 3h42m55s
